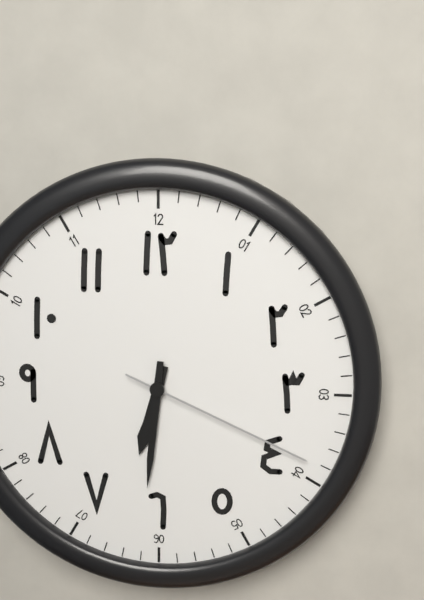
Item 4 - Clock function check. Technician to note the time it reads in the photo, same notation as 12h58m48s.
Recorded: 6h31m19s
